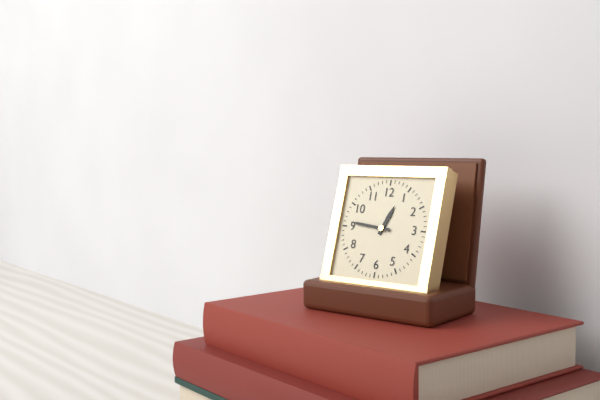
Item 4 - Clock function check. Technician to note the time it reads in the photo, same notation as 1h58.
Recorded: 12h46
